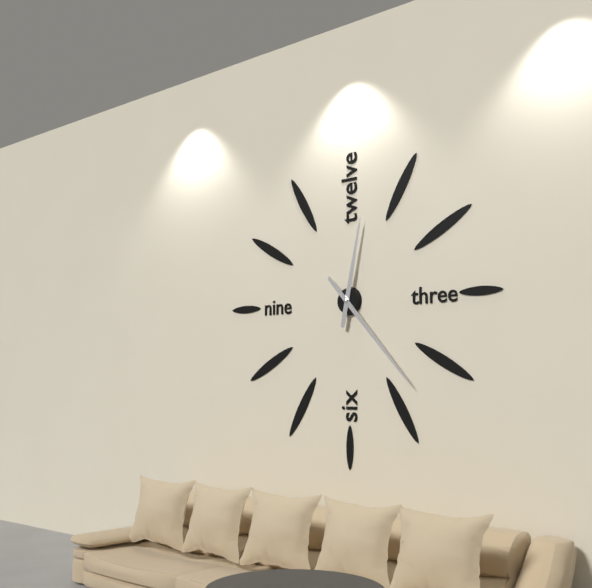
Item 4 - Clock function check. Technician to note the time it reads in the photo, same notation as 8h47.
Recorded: 12h23
